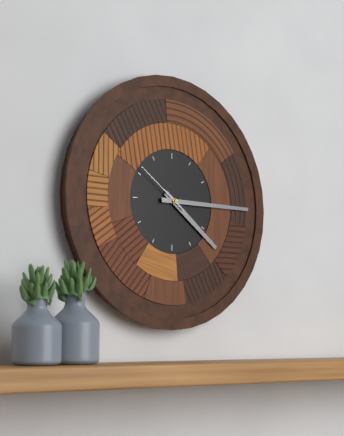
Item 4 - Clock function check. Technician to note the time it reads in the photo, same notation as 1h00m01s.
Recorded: 4h15m51s
